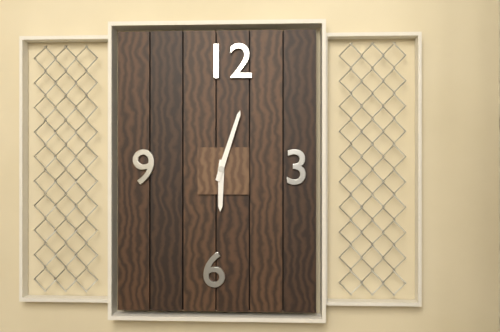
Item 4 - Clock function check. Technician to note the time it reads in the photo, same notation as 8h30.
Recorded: 6h03
